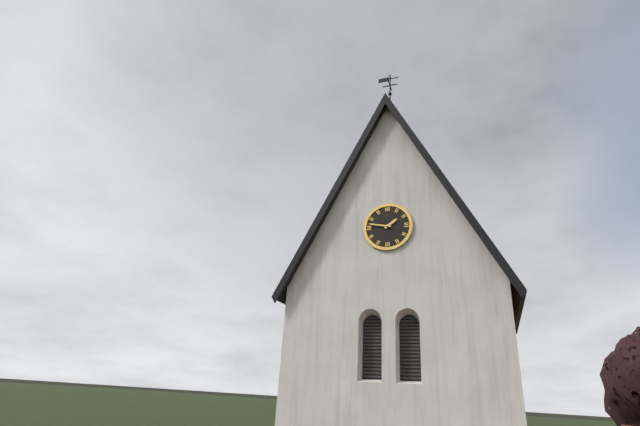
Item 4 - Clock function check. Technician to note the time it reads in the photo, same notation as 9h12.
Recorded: 1h47
